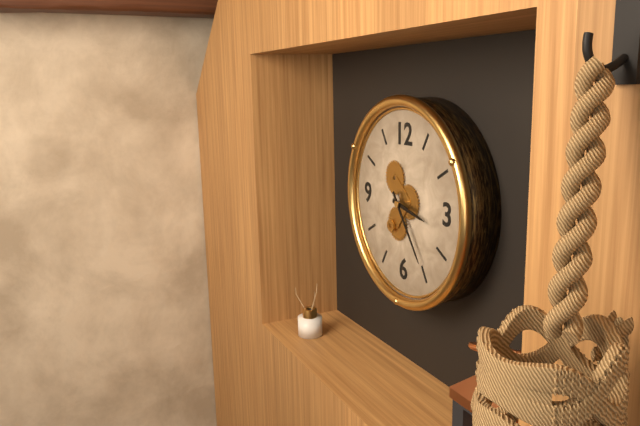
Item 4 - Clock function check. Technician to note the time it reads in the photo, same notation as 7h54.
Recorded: 3h24
